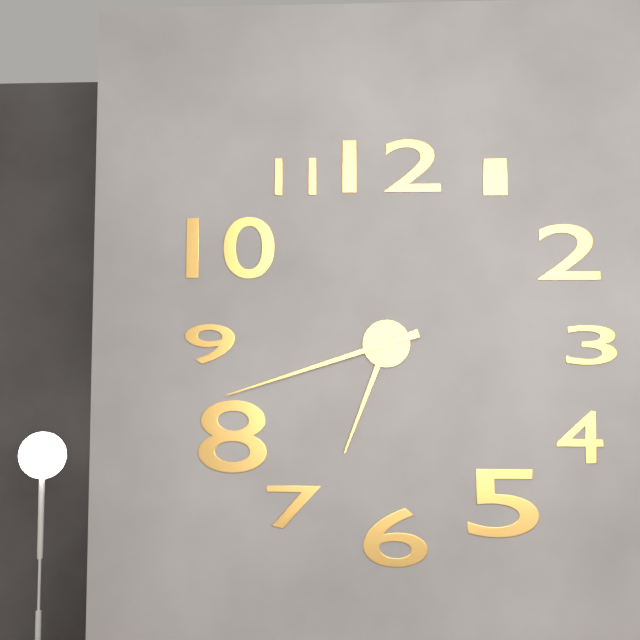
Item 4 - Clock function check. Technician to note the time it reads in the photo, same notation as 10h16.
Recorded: 6h42
